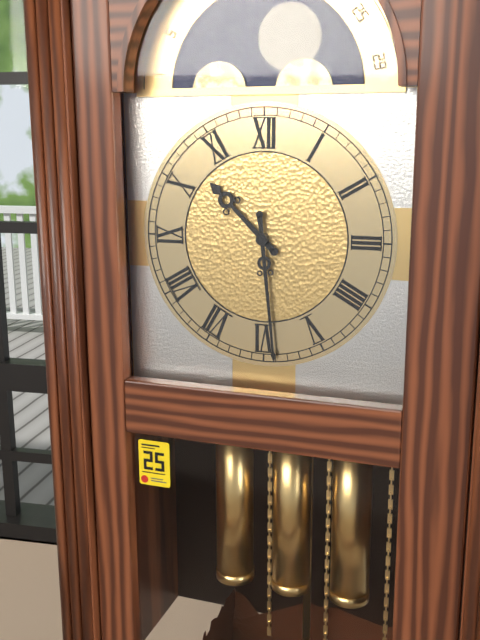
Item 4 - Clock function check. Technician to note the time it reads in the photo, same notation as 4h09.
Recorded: 10h29
